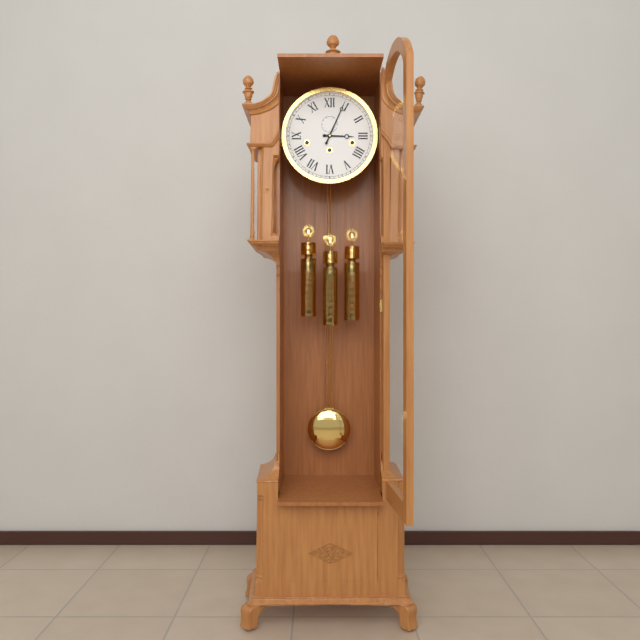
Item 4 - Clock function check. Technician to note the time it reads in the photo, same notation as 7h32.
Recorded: 3h04
